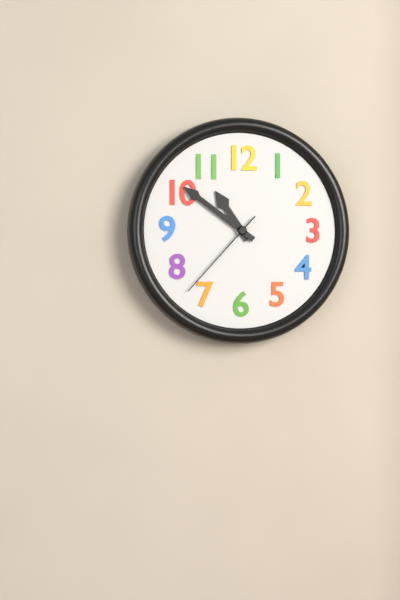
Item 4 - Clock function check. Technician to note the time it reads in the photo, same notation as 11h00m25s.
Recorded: 10h51m37s
